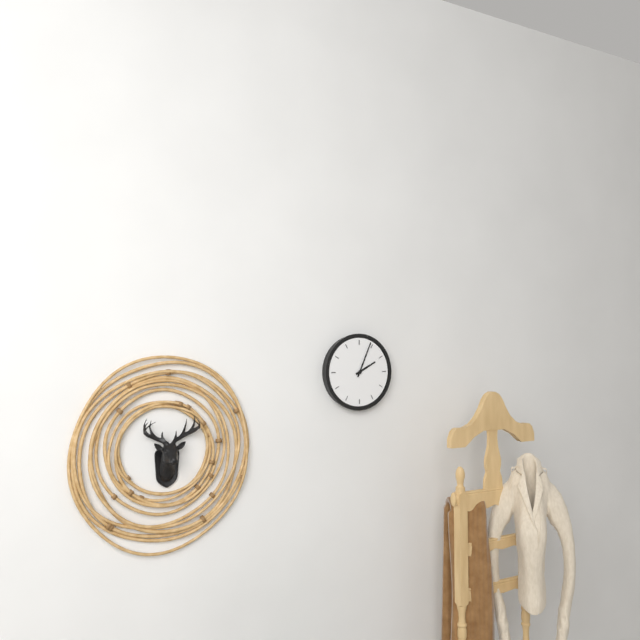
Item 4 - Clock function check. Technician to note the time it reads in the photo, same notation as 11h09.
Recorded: 2h04
